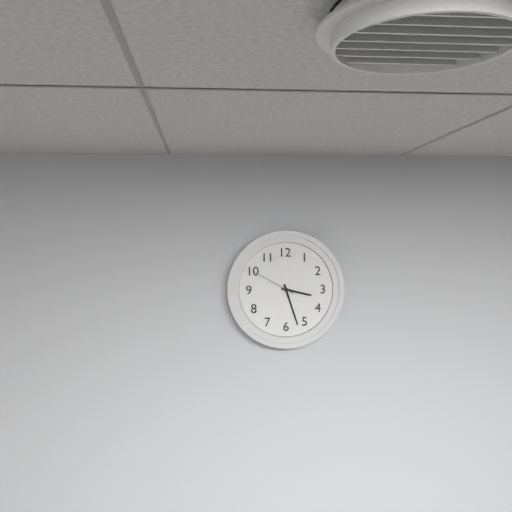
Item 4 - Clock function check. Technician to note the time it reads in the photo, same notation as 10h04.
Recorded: 3h27
